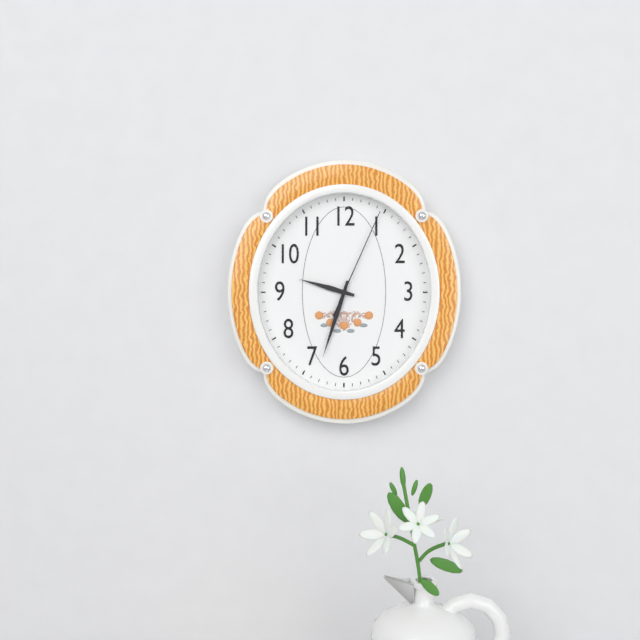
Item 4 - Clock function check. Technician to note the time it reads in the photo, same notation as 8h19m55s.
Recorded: 9h33m04s
